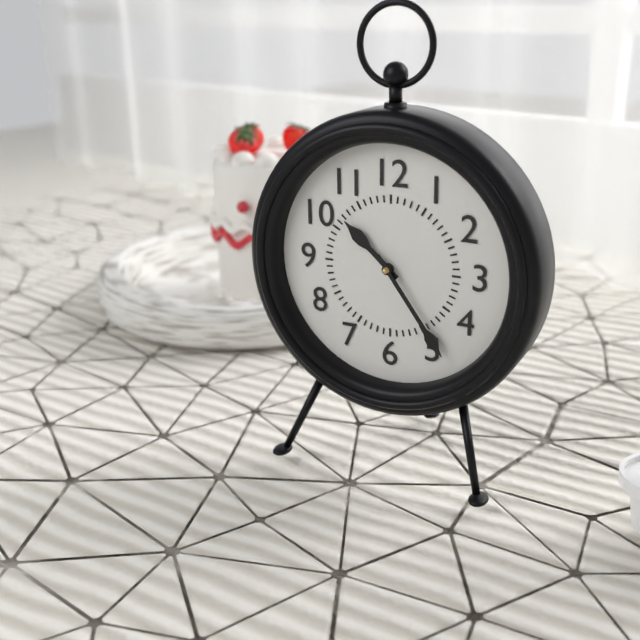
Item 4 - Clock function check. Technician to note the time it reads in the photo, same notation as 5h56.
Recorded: 10h24
